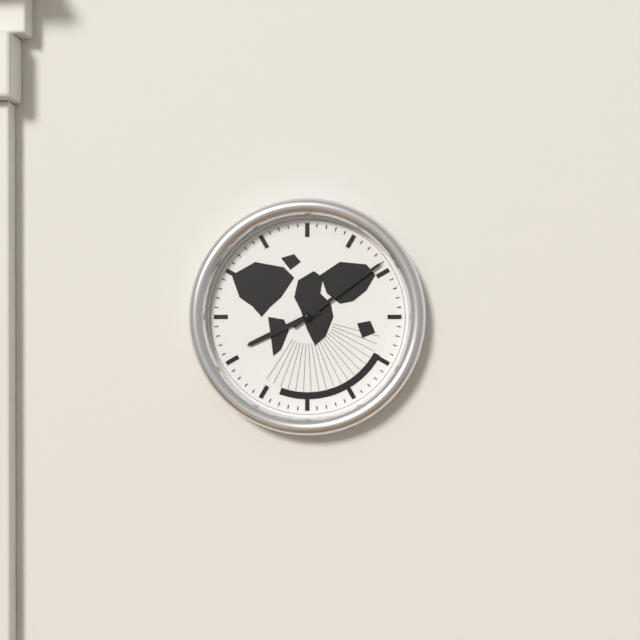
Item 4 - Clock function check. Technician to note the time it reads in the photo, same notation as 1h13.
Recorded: 8h09
